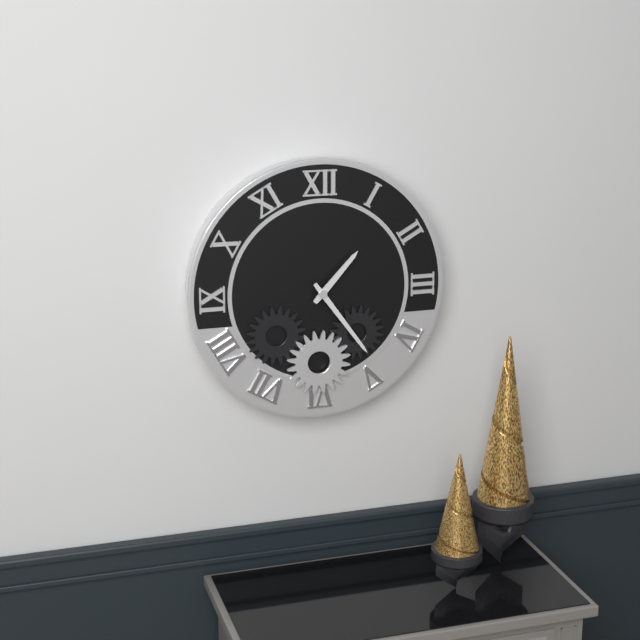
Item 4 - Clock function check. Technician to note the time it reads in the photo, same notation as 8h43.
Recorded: 1h24
